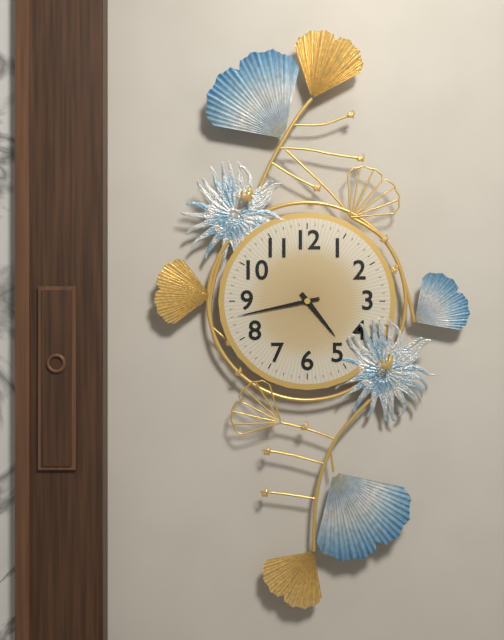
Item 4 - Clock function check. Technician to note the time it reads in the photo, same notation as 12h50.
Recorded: 4h43
